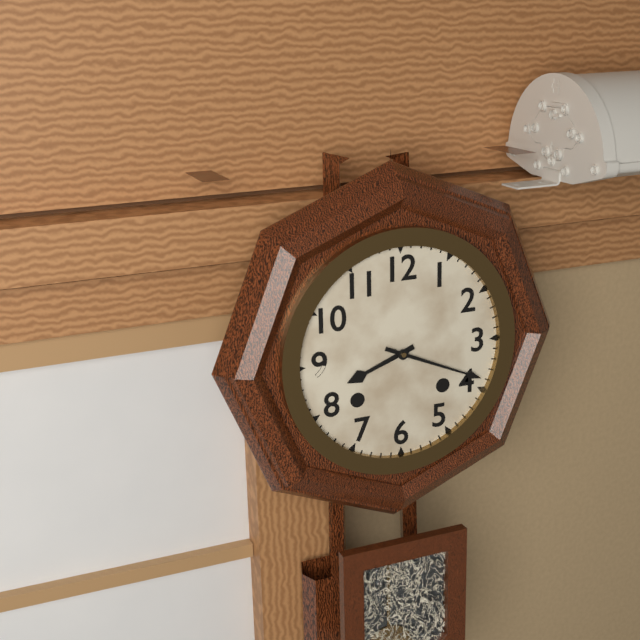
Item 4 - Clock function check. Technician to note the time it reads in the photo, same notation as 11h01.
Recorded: 8h19
